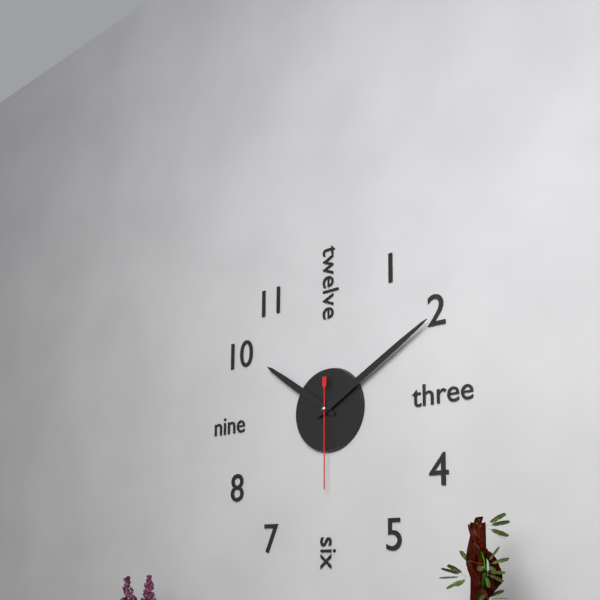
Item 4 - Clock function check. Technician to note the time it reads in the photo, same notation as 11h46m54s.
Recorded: 10h10m30s
